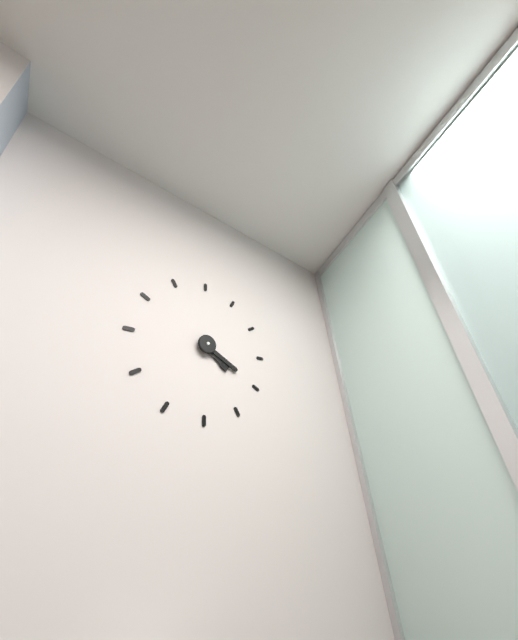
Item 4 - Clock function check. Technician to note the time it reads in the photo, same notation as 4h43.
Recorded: 4h20
